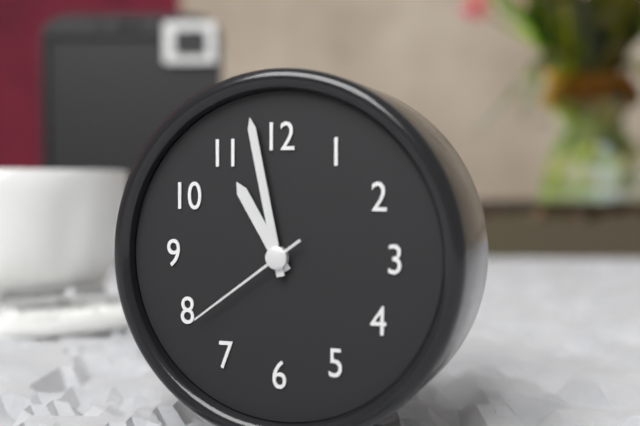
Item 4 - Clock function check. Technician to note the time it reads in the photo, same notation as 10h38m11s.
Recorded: 10h58m39s
